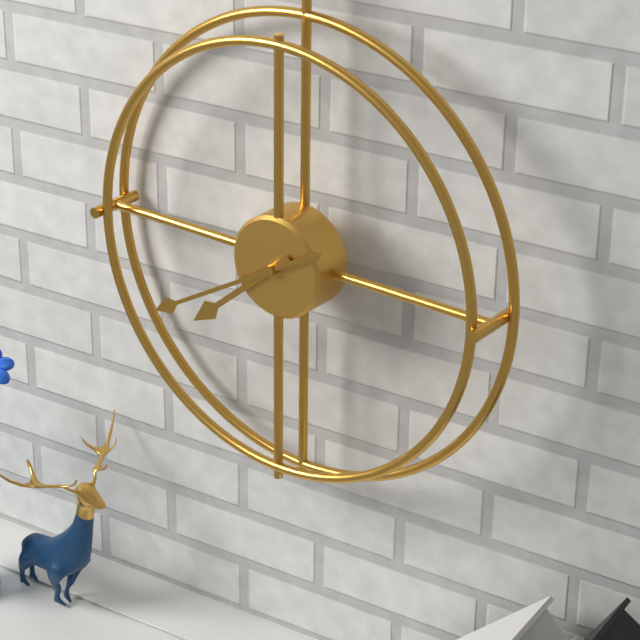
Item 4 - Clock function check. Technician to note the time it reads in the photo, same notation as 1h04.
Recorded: 7h40
